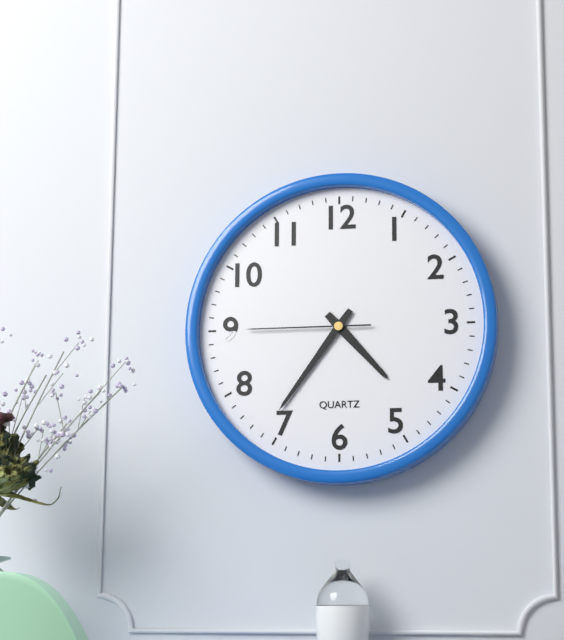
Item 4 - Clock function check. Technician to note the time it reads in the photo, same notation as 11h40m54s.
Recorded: 4h36m45s
